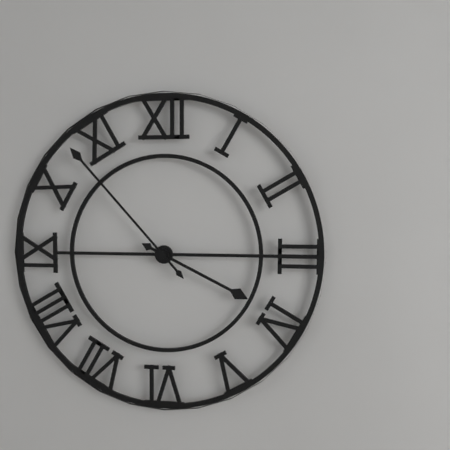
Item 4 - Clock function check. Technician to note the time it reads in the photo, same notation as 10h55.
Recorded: 3h53
